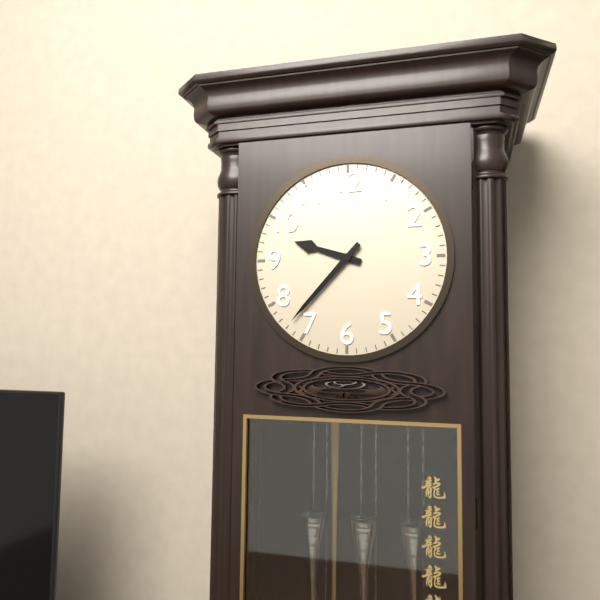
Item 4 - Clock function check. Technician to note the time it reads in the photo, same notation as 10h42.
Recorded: 9h37
